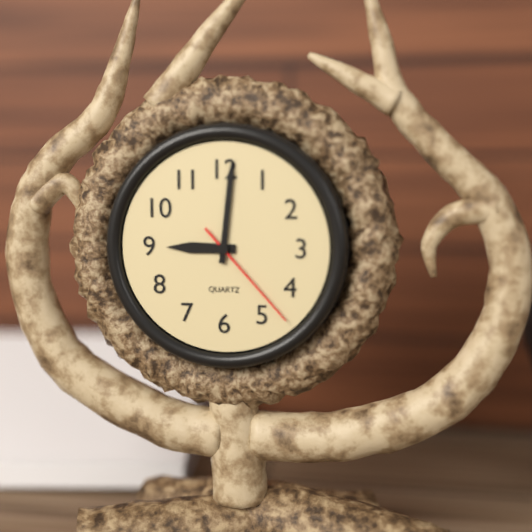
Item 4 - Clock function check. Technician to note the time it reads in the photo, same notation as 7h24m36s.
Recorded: 9h01m23s
